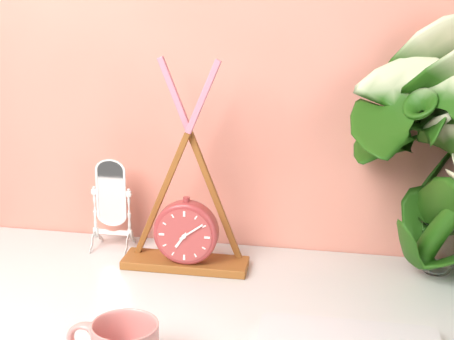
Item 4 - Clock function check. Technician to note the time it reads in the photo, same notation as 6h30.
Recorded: 7h09
